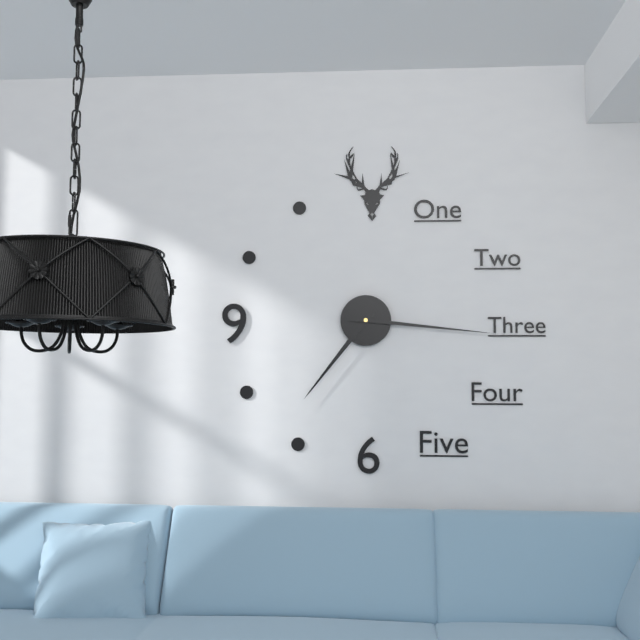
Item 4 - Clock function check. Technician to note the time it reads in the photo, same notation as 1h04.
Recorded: 7h16
